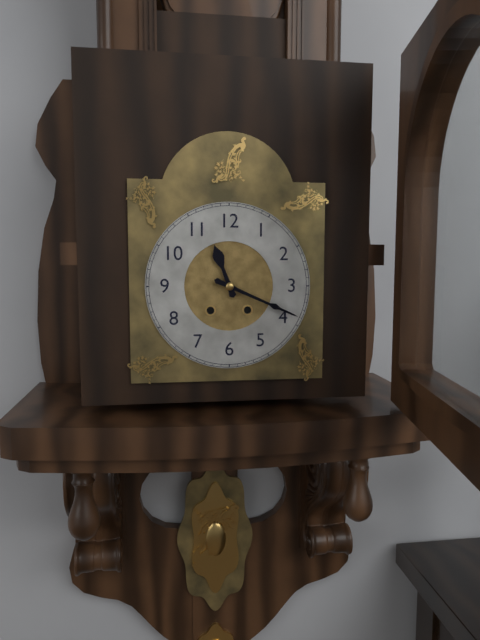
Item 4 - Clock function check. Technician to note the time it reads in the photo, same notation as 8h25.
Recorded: 11h19
